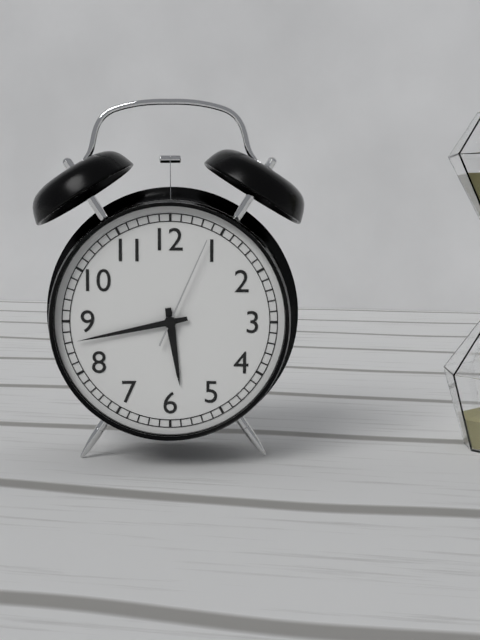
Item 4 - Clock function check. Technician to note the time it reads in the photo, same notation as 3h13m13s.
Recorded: 5h43m04s
